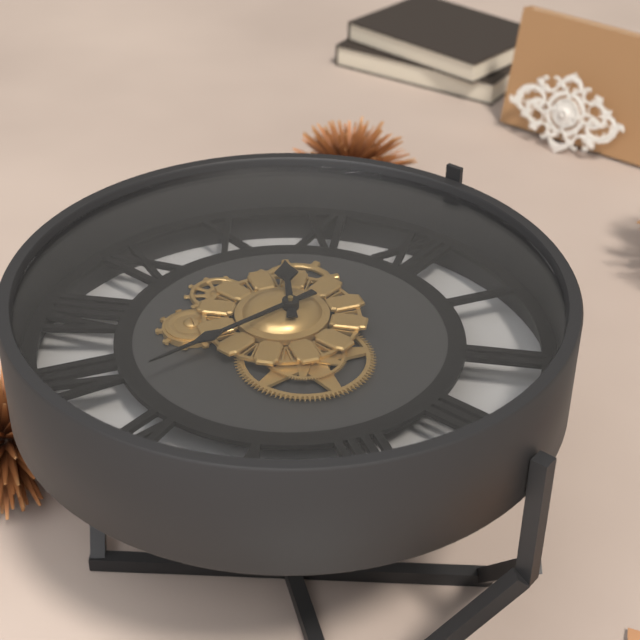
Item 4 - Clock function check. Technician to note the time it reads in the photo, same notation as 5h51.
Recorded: 10h32
